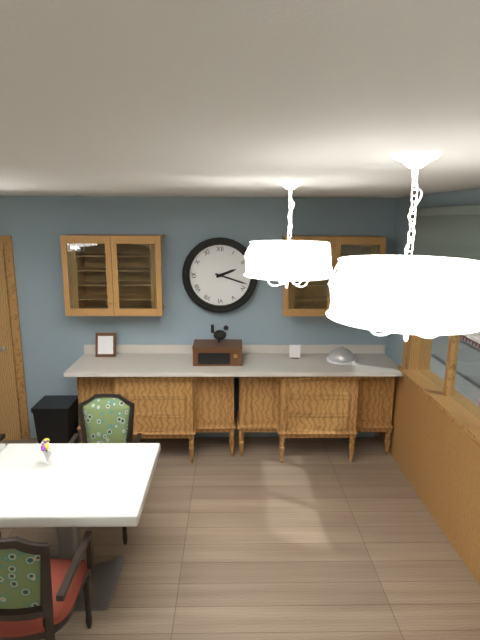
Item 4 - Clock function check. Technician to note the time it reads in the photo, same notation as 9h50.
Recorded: 2h18
